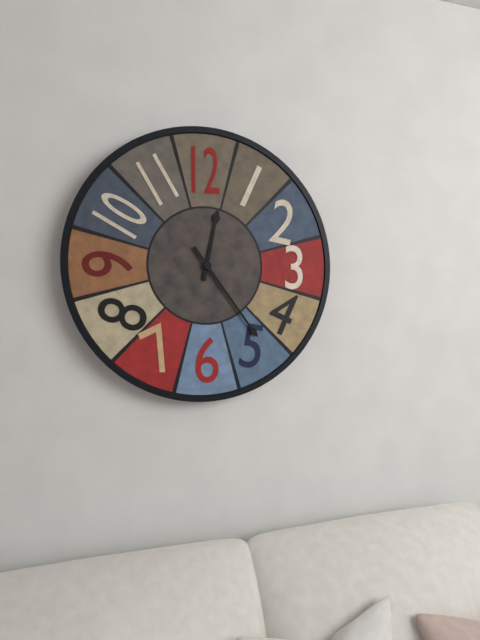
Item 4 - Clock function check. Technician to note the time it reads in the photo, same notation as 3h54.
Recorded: 12h24
